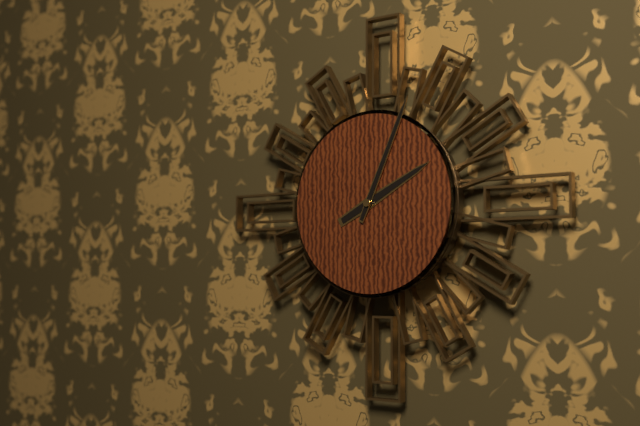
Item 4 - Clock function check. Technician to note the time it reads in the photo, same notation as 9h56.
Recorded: 2h04
